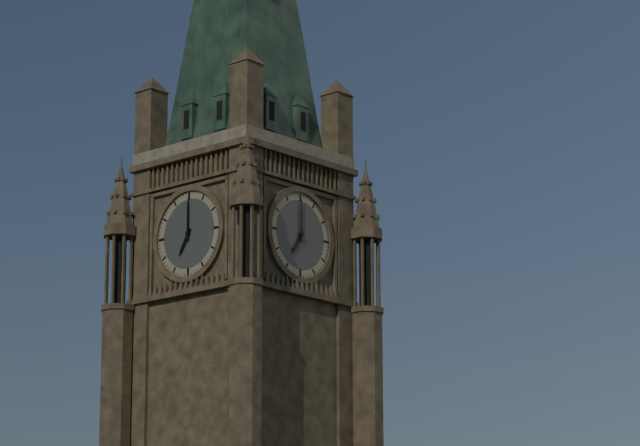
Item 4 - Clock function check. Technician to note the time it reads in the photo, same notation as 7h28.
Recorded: 7h00
